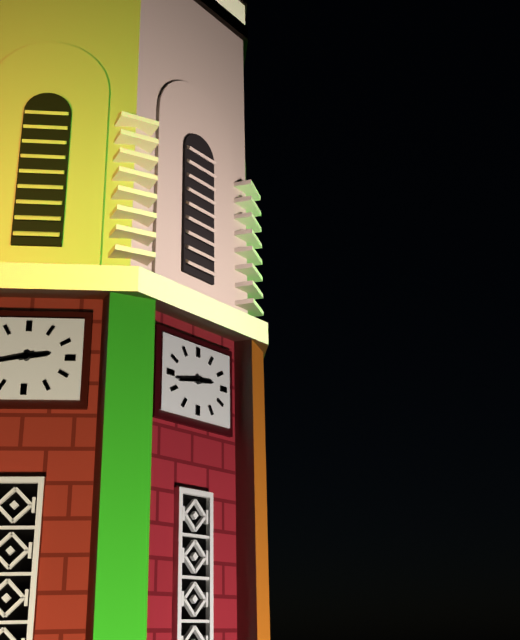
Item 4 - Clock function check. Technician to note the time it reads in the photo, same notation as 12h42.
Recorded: 2h43
